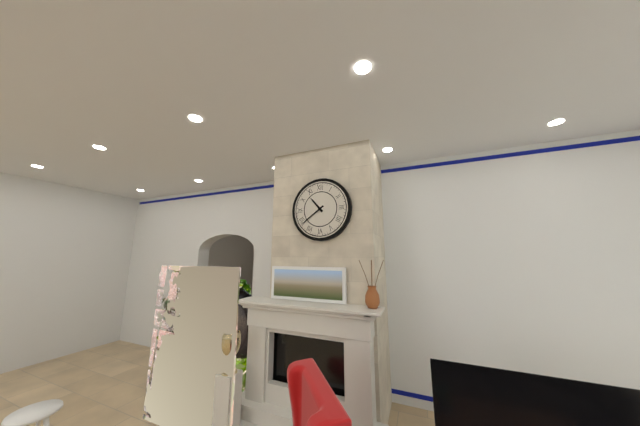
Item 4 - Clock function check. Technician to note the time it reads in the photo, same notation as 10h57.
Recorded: 10h39
